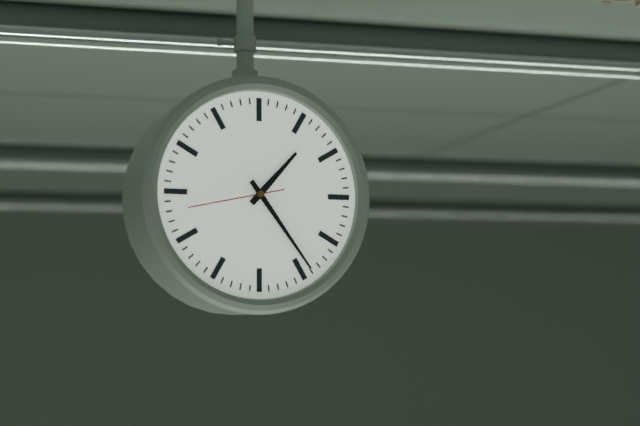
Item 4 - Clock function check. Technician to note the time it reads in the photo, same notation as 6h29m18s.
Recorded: 1h24m43s
